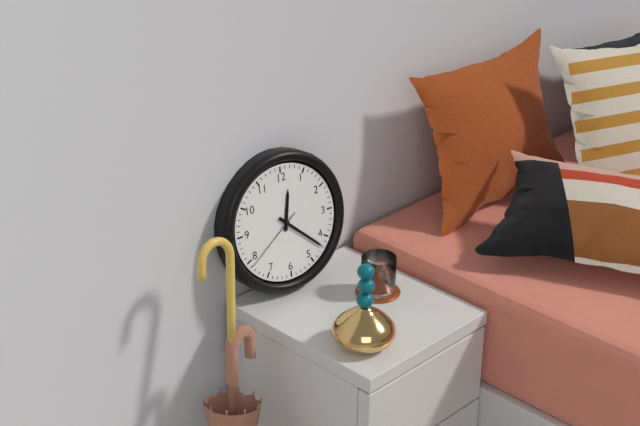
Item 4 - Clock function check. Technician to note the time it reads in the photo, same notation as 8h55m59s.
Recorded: 12h22m39s
